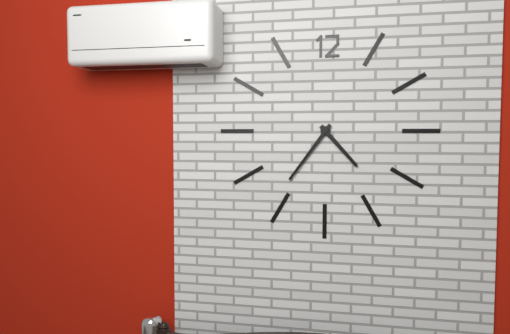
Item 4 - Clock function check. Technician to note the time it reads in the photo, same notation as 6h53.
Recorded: 4h36
